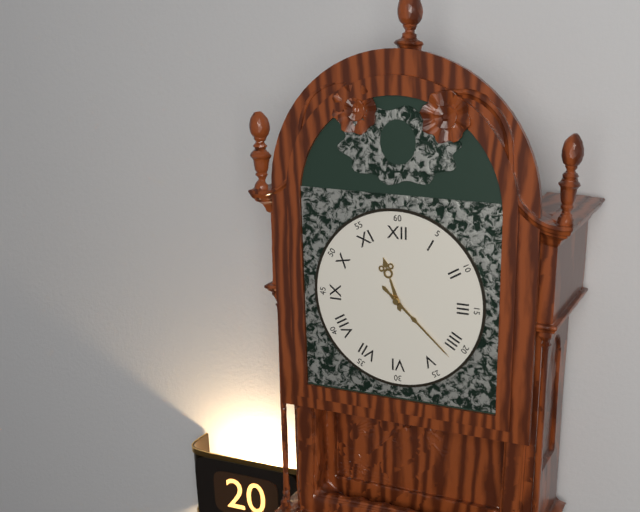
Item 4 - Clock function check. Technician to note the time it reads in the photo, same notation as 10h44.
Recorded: 11h22
